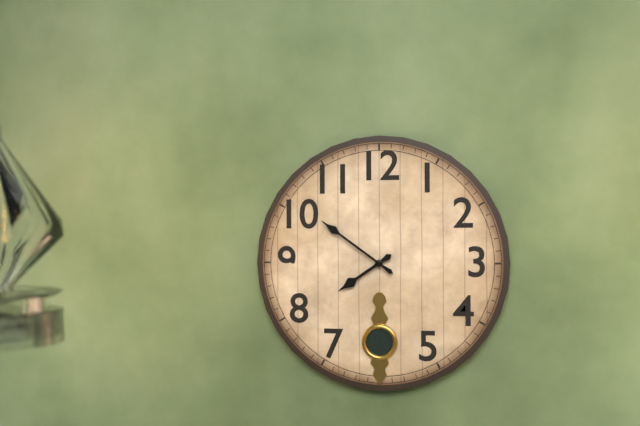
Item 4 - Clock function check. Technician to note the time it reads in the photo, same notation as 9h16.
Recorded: 7h51
